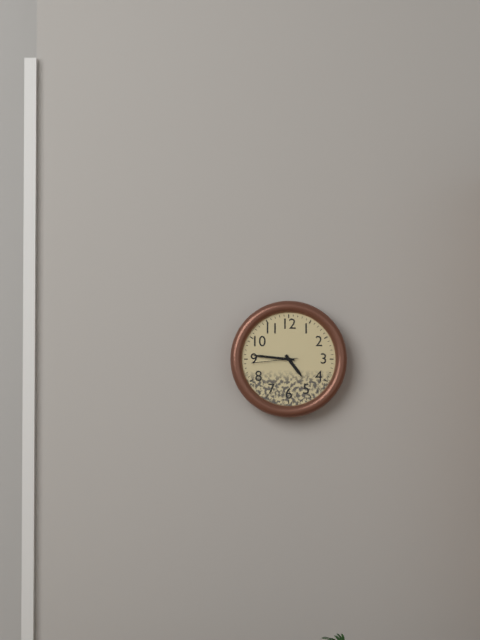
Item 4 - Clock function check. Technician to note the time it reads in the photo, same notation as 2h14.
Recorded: 4h46
